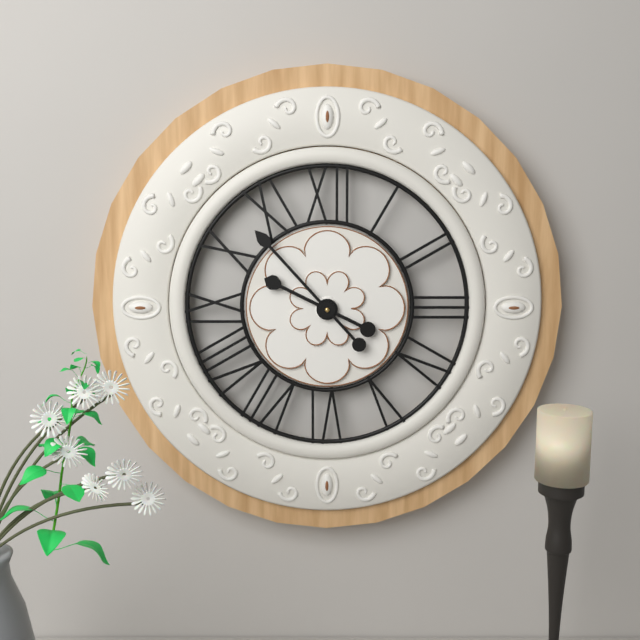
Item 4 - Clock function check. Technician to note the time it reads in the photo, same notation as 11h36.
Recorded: 9h53
